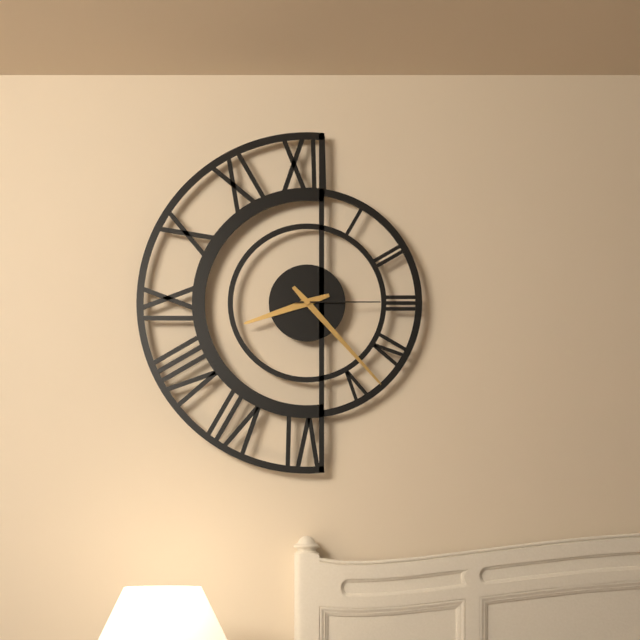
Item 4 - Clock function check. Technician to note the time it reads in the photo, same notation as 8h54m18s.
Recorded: 8h23m15s
